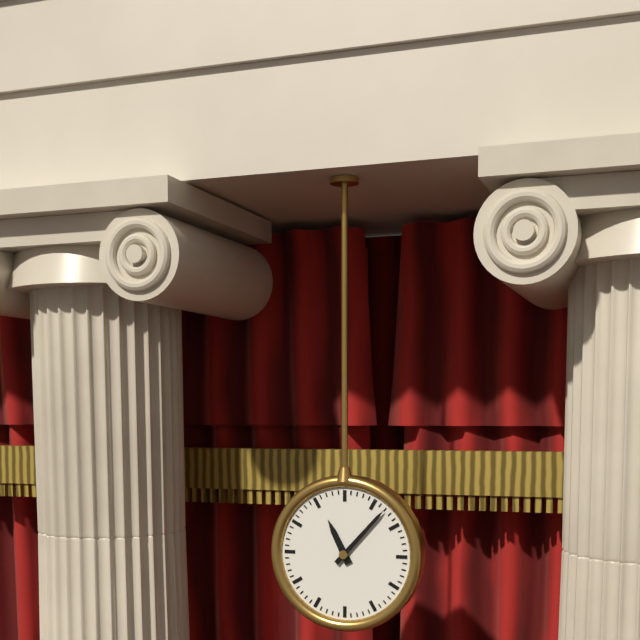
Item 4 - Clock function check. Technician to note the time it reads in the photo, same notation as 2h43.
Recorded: 11h07
